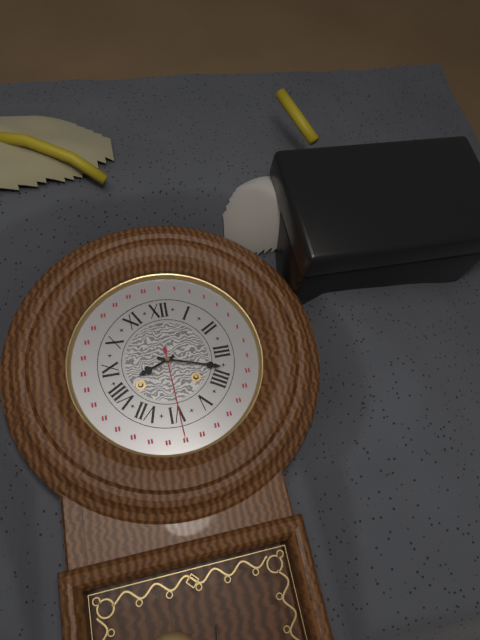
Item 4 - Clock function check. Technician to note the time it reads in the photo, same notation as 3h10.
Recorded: 8h18
